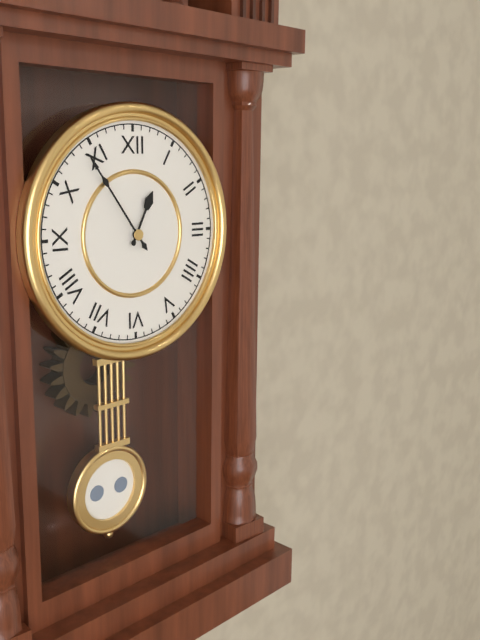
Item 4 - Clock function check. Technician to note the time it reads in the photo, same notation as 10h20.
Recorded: 12h54
